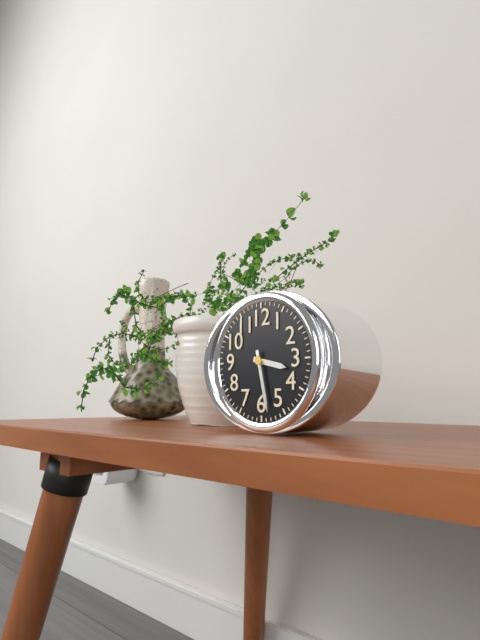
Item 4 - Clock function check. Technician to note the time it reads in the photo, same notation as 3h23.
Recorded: 3h28
